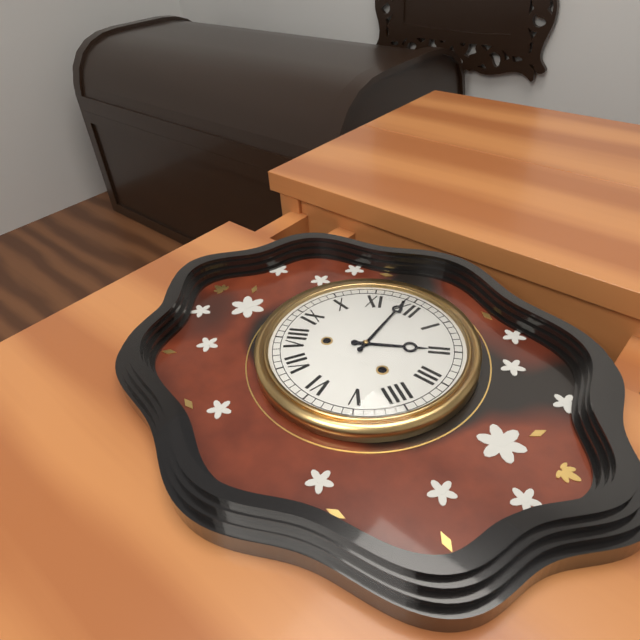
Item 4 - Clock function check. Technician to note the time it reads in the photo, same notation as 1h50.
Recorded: 1h59
